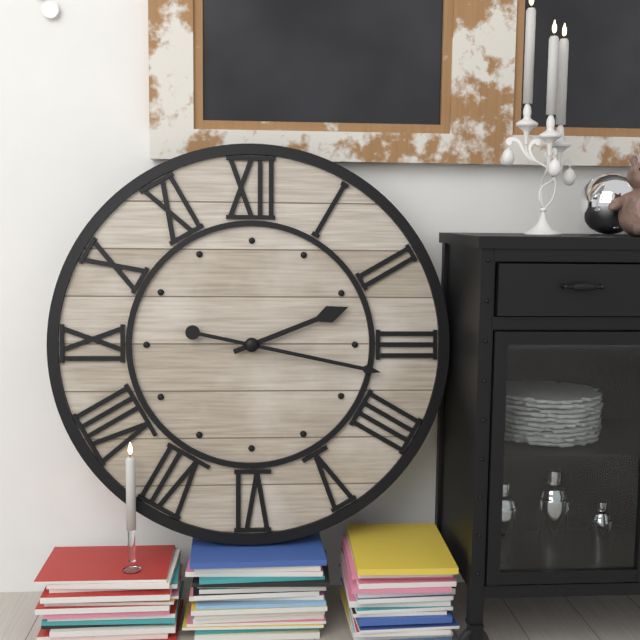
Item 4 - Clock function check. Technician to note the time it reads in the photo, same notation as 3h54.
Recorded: 2h17
